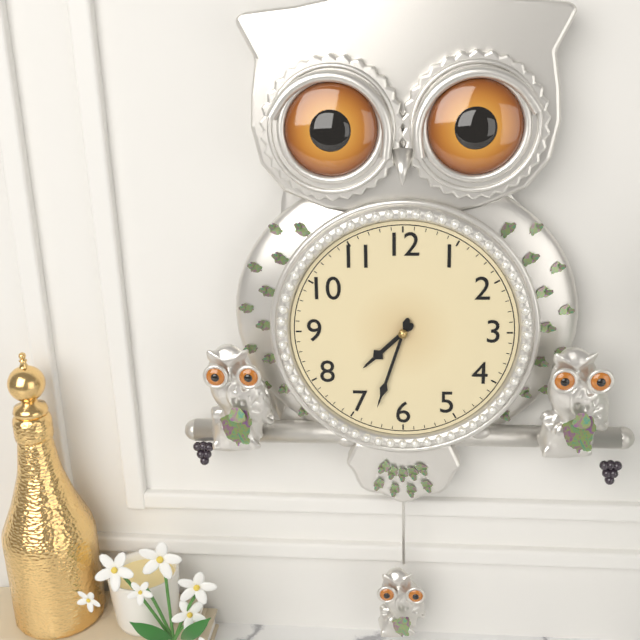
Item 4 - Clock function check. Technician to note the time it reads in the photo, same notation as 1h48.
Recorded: 7h33
